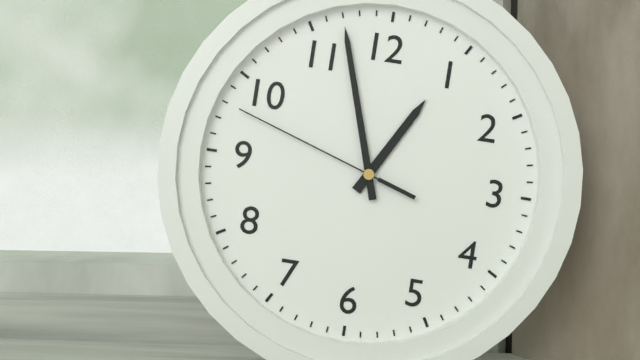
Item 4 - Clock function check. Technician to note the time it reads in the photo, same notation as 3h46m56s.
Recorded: 12h57m48s
